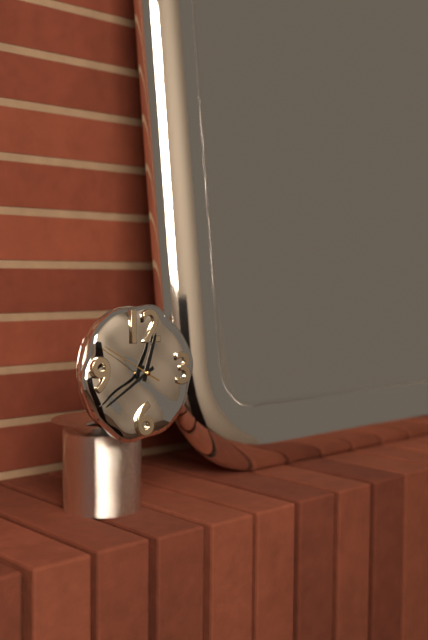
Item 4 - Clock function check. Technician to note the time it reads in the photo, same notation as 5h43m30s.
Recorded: 12h40m50s
